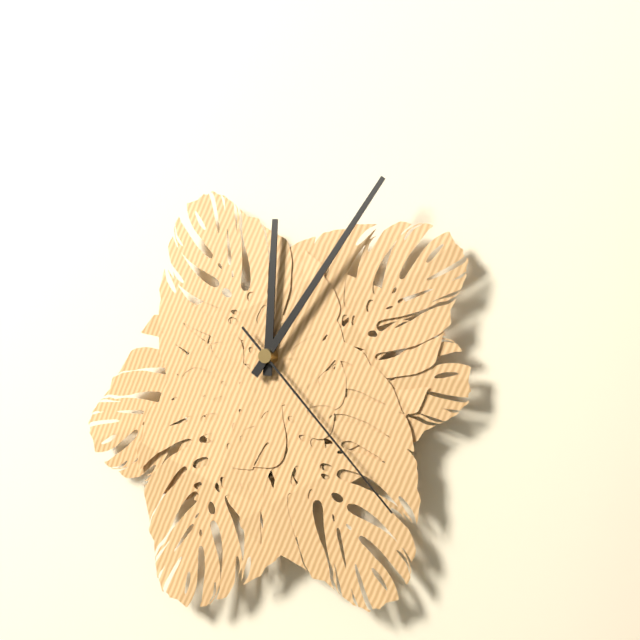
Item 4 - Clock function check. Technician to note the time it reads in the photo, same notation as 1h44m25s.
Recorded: 12h06m23s
